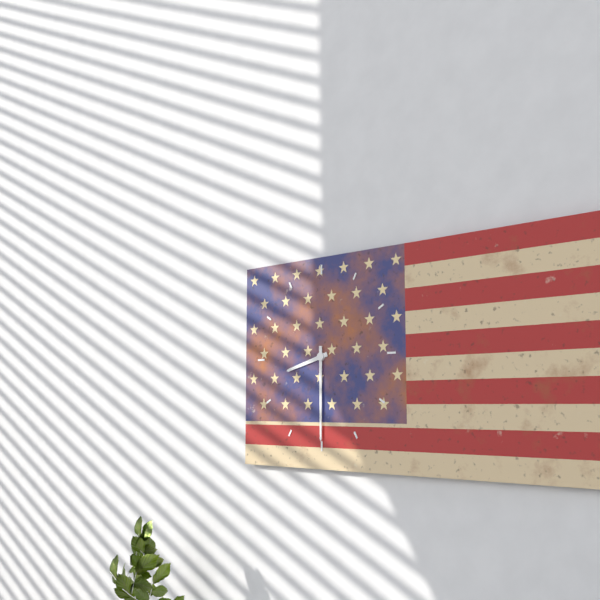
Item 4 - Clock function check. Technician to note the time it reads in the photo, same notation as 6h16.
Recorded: 8h30
